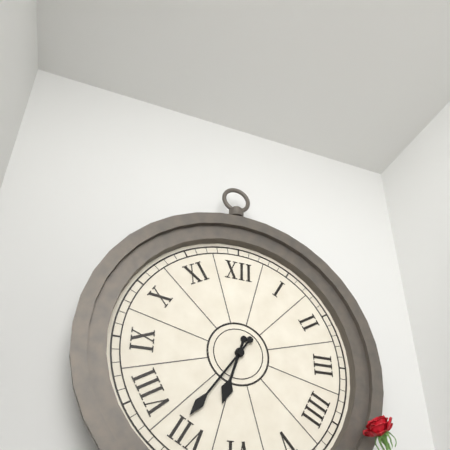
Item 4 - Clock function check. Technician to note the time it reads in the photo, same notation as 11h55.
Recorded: 6h36
